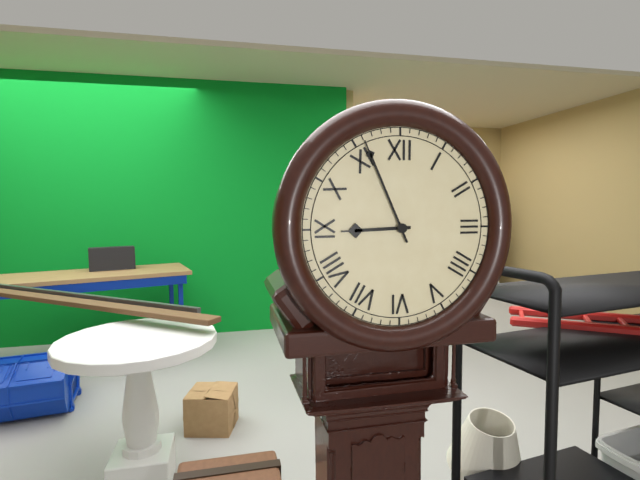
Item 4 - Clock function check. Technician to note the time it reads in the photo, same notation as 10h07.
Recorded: 8h56
